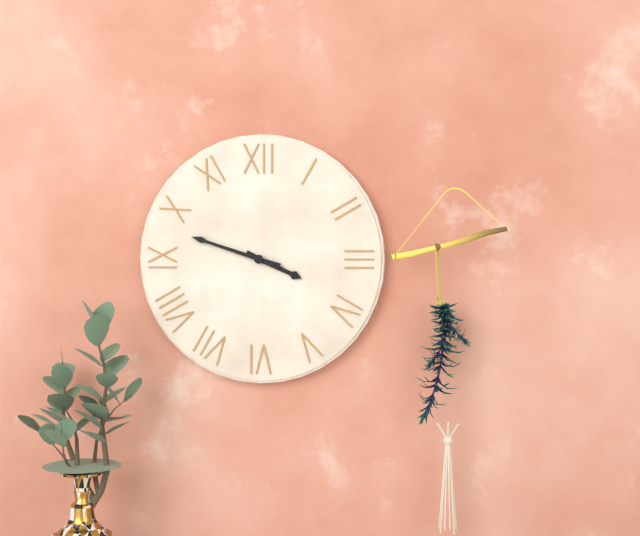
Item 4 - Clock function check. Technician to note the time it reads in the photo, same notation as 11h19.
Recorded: 3h48
